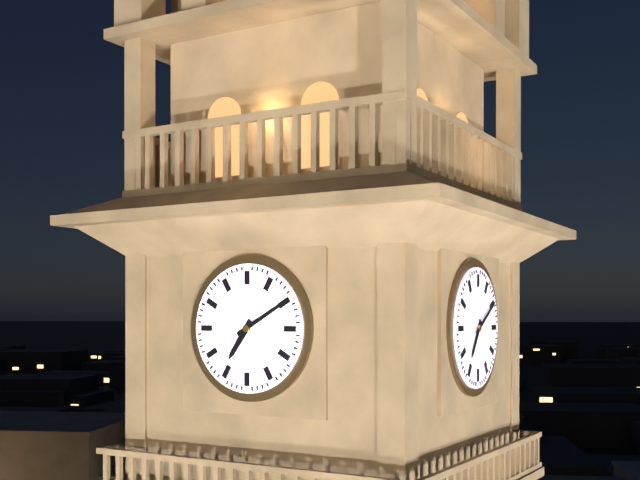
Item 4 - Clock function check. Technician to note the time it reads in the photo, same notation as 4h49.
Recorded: 7h10
